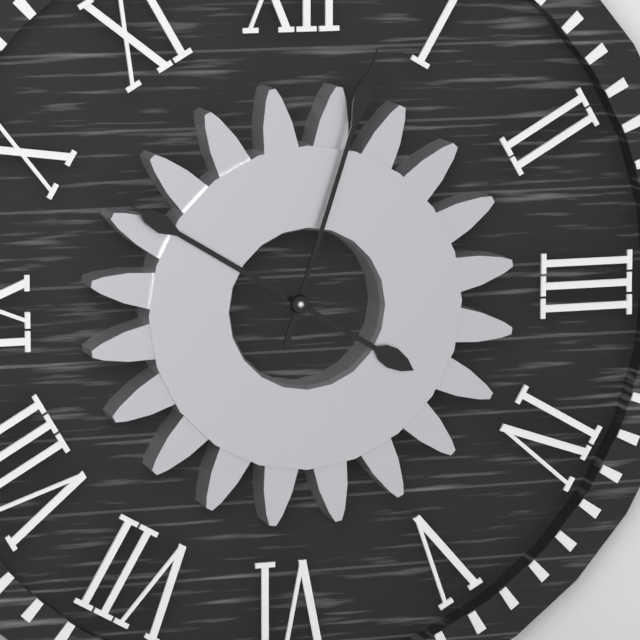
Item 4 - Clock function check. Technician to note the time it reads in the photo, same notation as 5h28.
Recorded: 10h03
